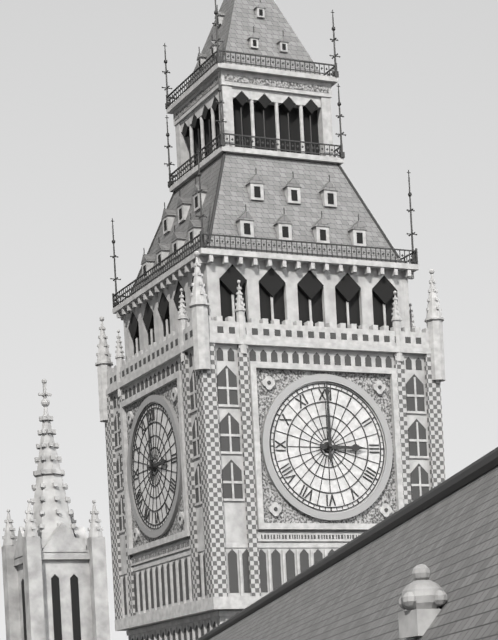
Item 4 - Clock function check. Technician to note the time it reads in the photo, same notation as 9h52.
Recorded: 3h00
